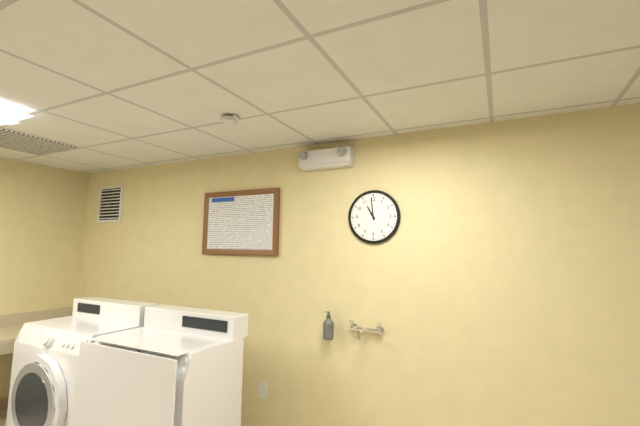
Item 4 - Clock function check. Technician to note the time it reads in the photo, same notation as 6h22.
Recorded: 10h59
